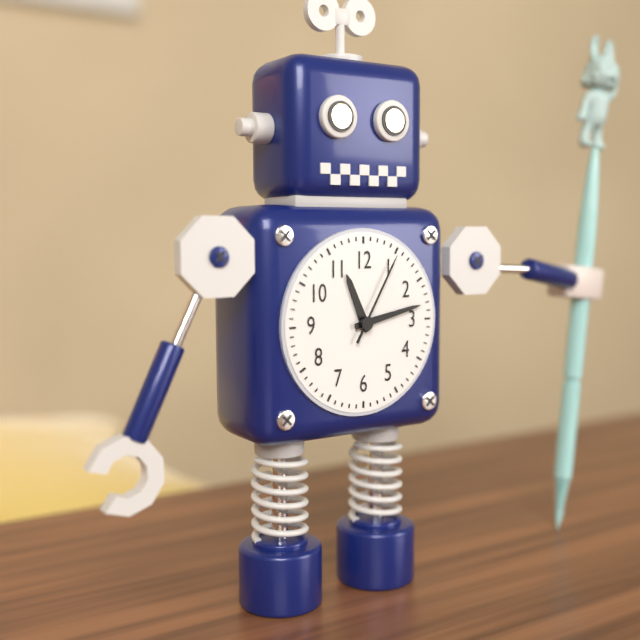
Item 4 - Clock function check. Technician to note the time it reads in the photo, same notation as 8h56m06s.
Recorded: 11h13m05s
